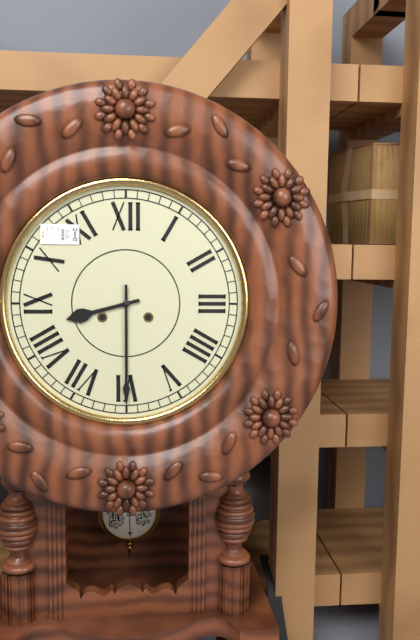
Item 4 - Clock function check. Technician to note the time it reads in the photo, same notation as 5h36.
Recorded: 8h30
